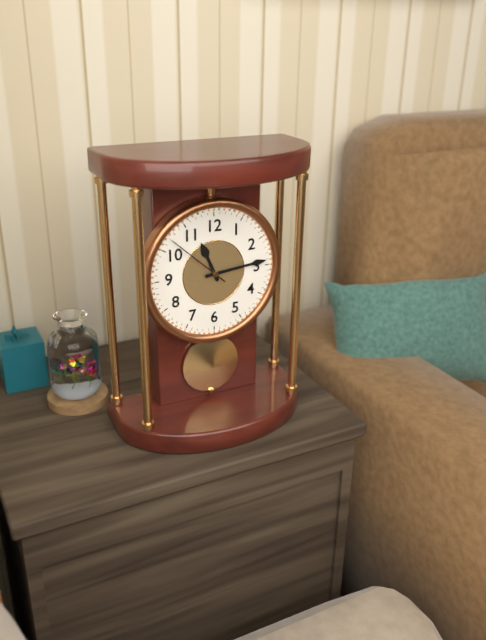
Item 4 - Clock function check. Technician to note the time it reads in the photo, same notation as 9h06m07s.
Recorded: 11h14m52s
